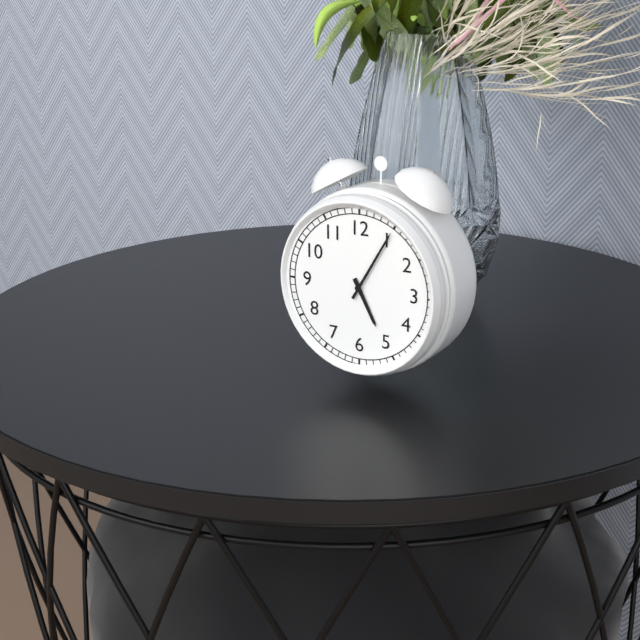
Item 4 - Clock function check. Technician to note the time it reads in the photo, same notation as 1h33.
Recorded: 5h05
